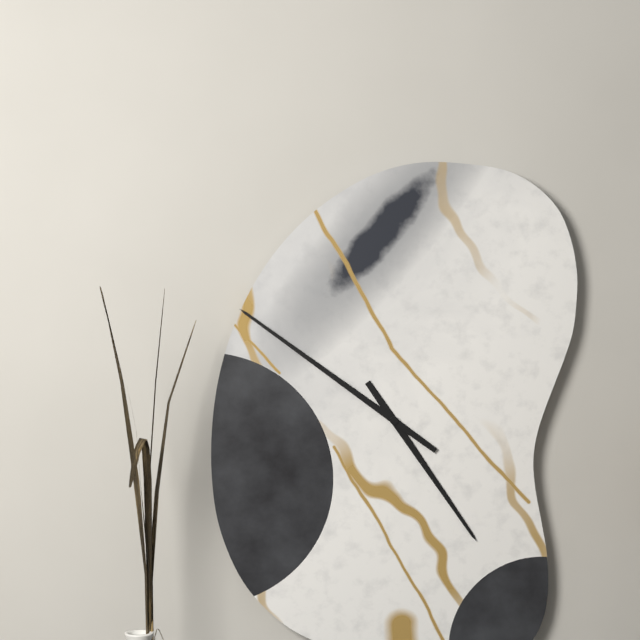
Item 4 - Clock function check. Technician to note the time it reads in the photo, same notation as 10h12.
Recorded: 4h51
